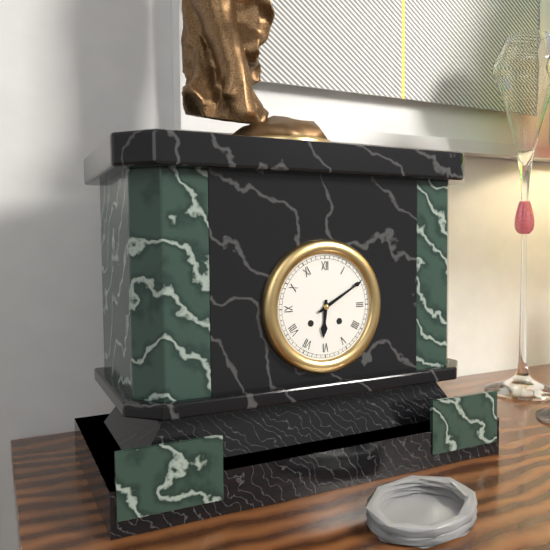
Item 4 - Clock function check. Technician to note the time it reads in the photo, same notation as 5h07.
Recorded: 6h10
